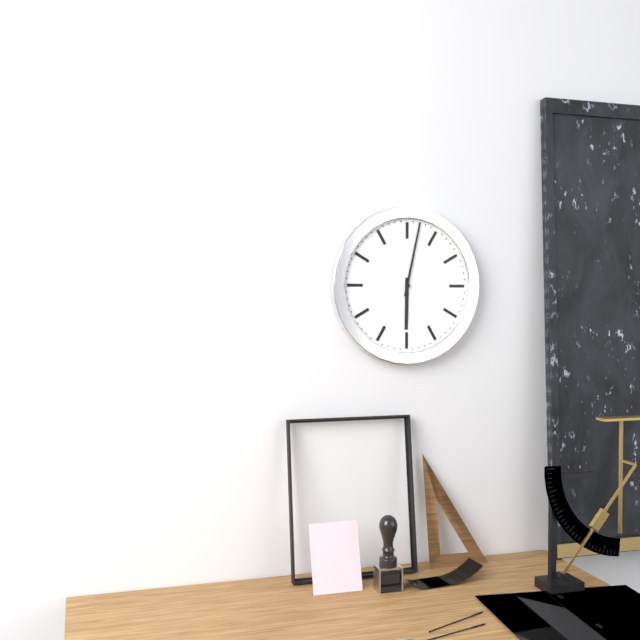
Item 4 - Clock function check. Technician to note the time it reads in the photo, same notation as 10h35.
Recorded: 6h02
